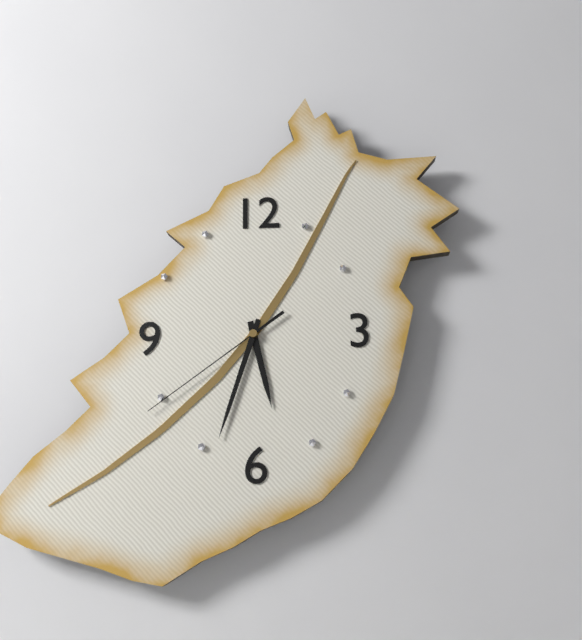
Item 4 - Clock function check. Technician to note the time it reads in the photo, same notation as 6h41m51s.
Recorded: 5h33m39s
